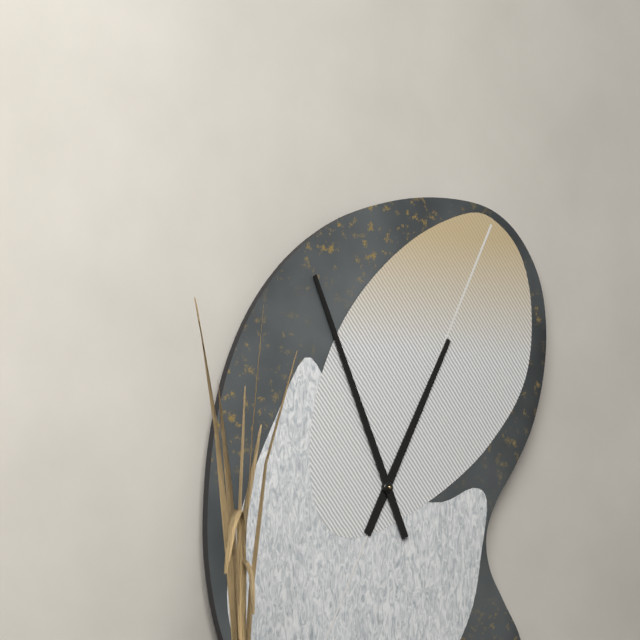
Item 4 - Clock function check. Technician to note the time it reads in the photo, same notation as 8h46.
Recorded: 12h56
